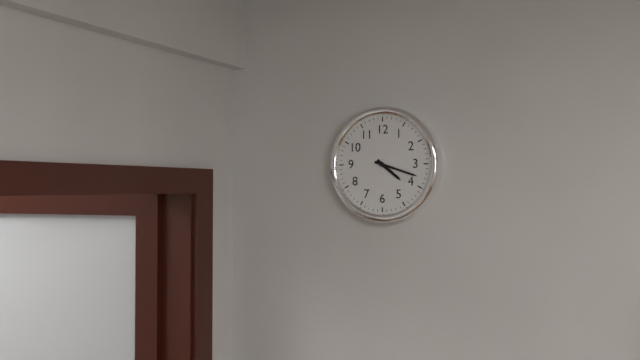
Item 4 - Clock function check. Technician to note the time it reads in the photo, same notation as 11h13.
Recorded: 4h18
